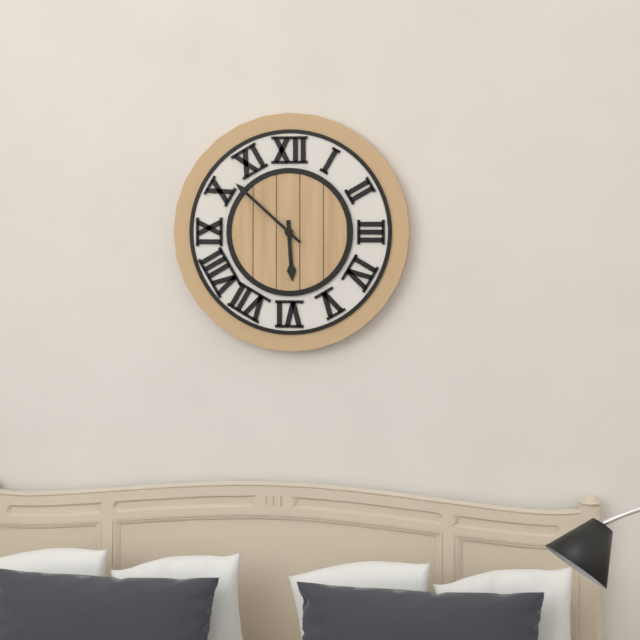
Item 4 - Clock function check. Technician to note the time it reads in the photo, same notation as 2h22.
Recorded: 5h52
